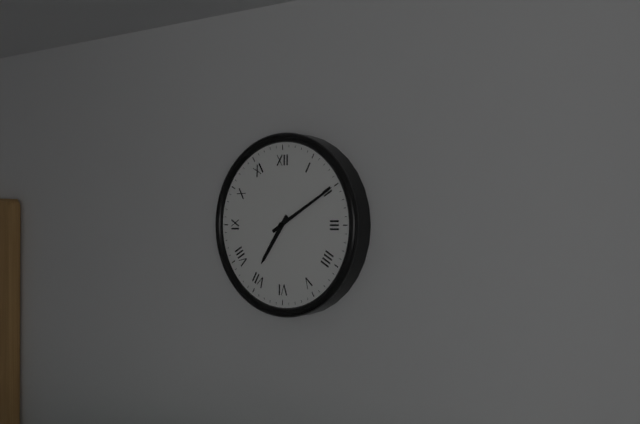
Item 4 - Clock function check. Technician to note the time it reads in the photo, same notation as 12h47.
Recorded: 7h10
